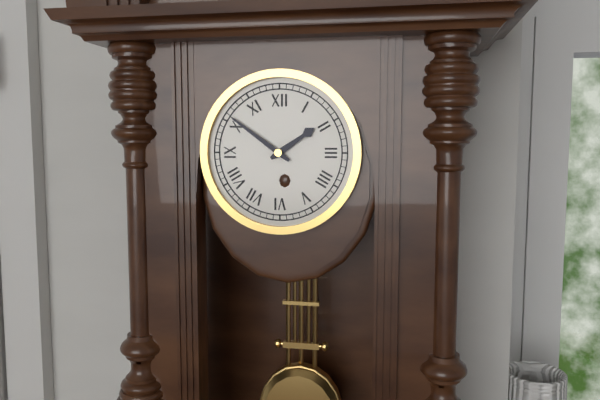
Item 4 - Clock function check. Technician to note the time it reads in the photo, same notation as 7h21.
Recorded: 1h51
